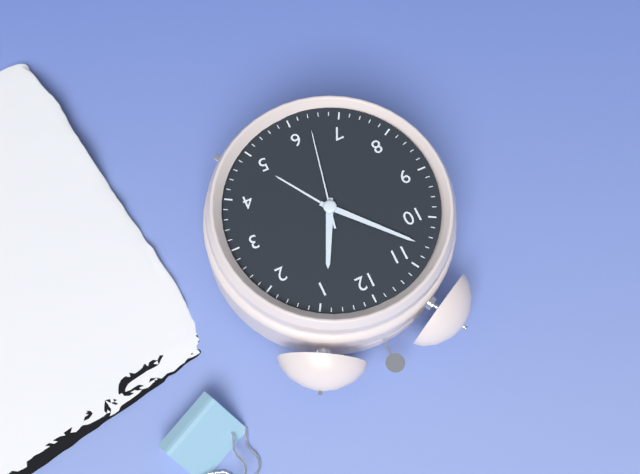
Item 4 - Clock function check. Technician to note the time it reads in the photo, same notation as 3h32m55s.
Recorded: 12h53m32s
